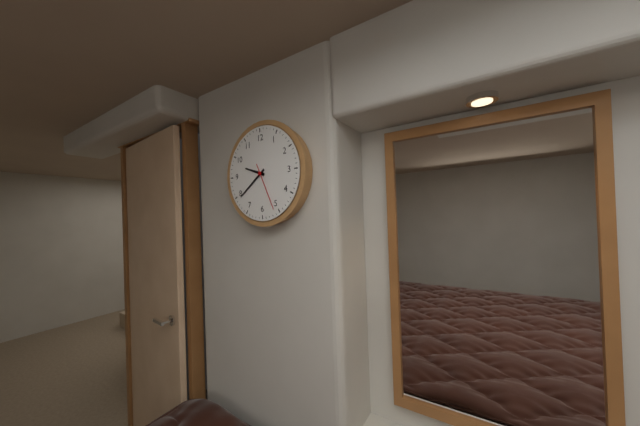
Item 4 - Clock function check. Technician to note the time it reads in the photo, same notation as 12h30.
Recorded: 9h39
